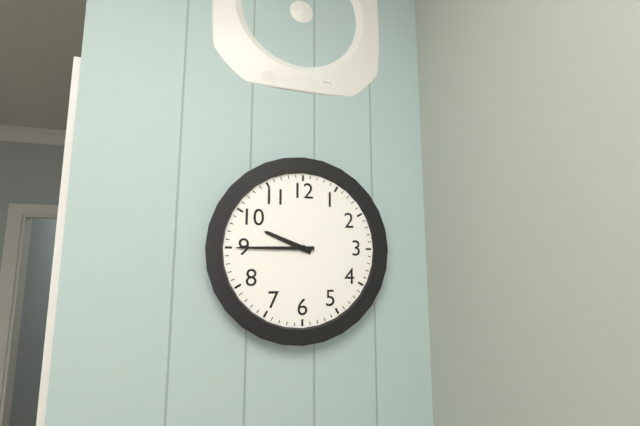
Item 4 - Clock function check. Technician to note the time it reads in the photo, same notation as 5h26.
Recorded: 9h45
